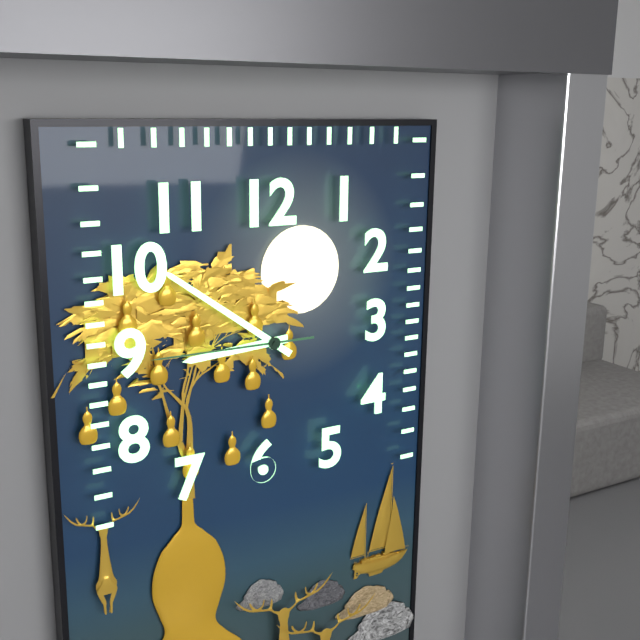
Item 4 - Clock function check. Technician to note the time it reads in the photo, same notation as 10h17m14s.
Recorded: 8h51m45s
